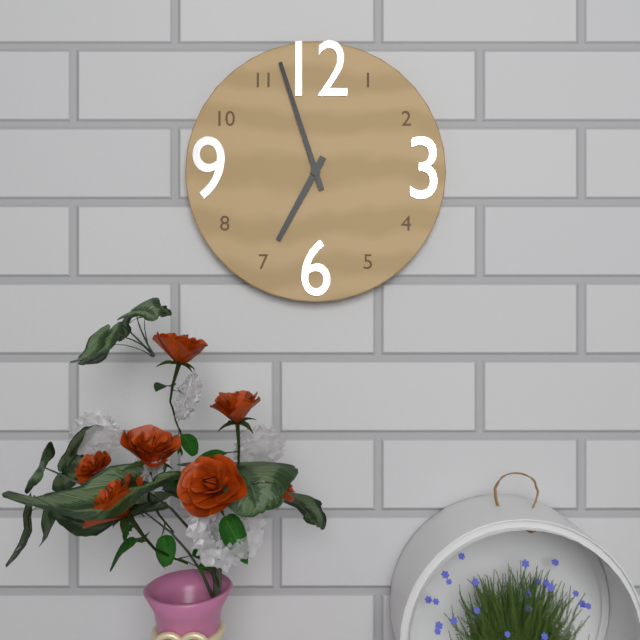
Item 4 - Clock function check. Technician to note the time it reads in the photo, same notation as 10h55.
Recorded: 6h57
